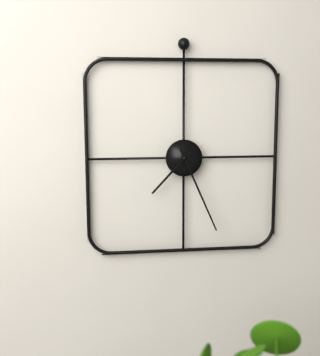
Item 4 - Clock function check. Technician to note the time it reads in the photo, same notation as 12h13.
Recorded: 7h26
